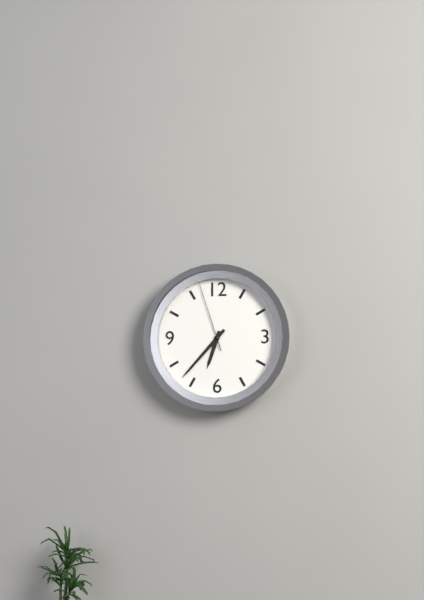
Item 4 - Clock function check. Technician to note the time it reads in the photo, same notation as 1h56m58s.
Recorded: 6h37m57s
